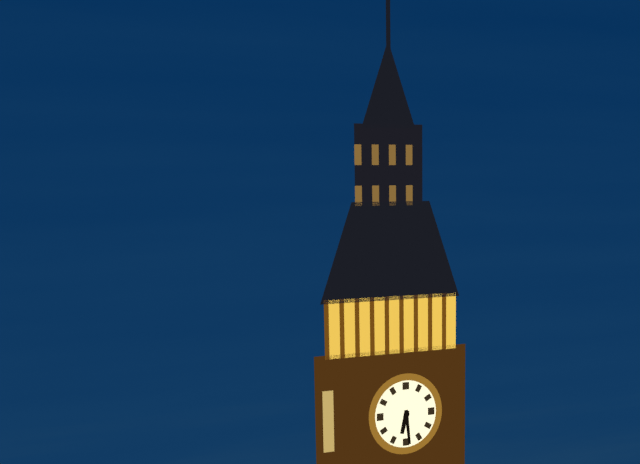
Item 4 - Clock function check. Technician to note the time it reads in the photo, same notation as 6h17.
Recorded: 6h29
